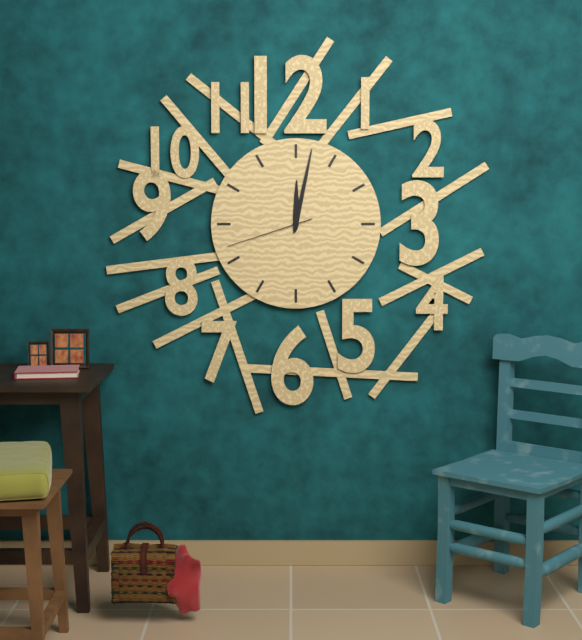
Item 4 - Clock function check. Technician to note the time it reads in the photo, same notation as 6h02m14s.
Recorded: 12h02m42s
